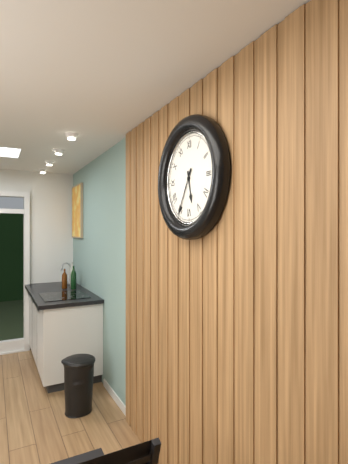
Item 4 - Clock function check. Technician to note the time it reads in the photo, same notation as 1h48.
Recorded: 5h35
